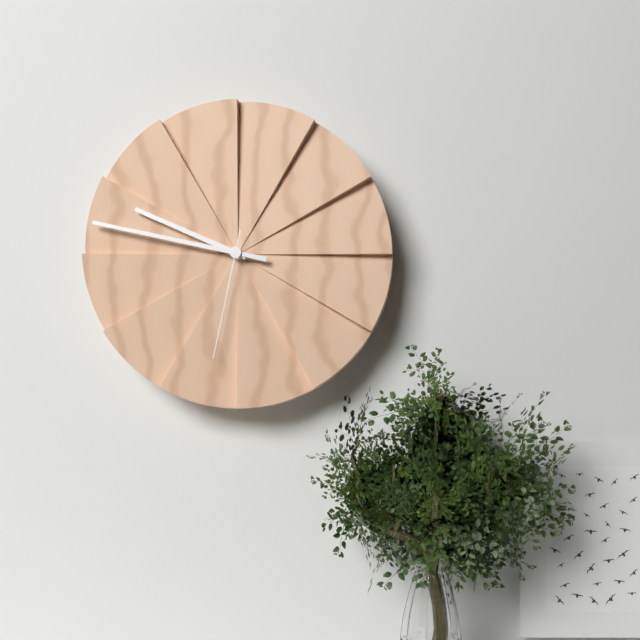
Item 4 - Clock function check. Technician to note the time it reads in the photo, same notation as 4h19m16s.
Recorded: 9h47m32s
